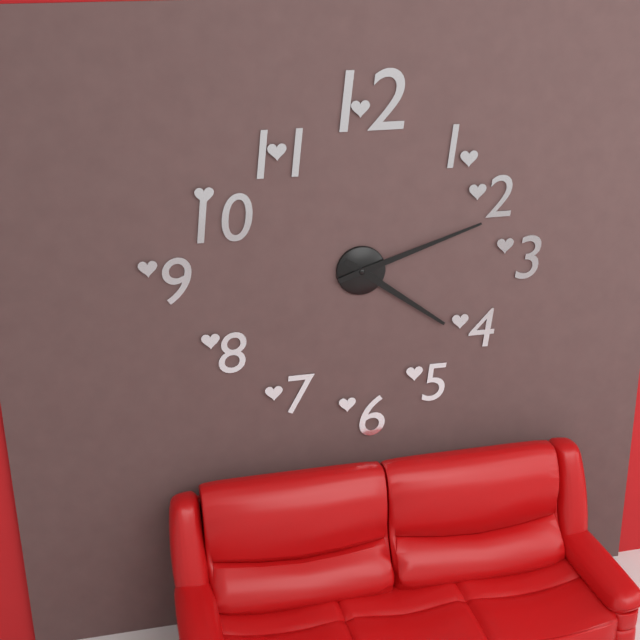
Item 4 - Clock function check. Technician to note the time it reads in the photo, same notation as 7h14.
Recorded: 4h12
